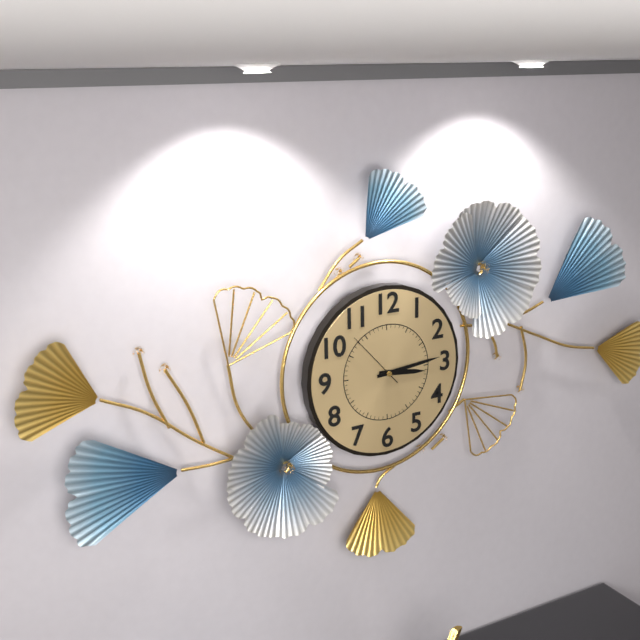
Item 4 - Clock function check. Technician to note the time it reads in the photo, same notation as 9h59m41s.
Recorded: 3h14m53s
